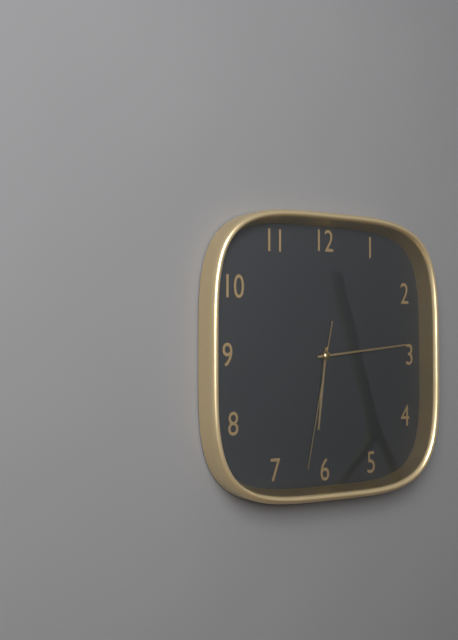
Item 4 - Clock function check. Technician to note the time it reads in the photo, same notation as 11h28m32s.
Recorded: 6h14m32s
